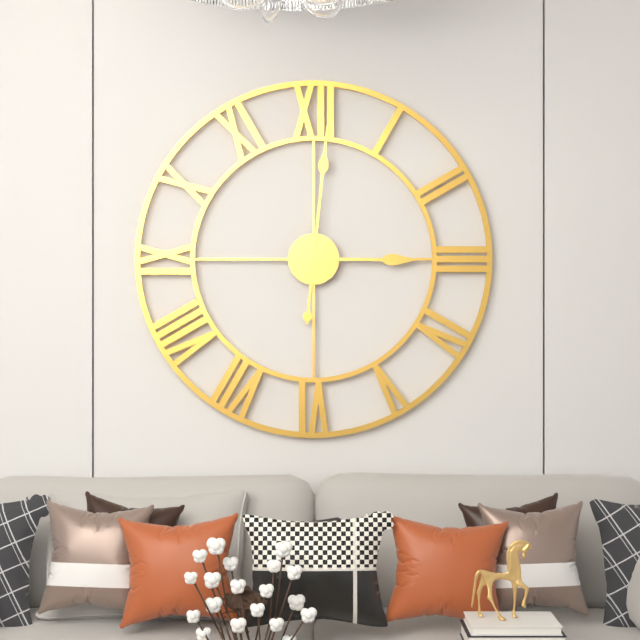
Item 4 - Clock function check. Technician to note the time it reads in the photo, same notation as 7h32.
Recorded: 3h01
